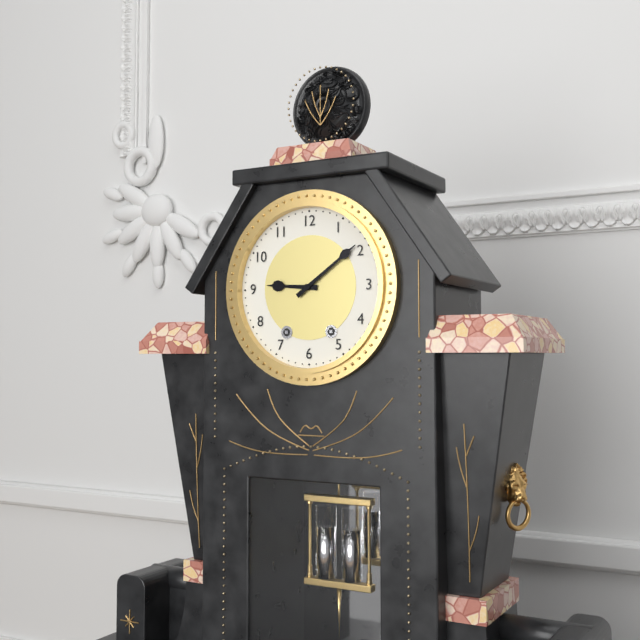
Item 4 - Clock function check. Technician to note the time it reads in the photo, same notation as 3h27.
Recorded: 9h09
